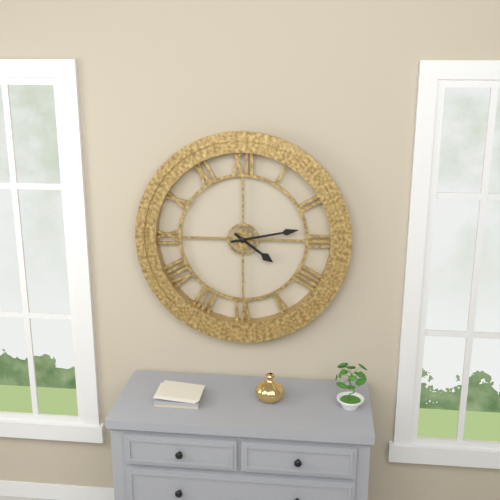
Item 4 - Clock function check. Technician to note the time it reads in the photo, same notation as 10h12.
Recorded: 4h13
